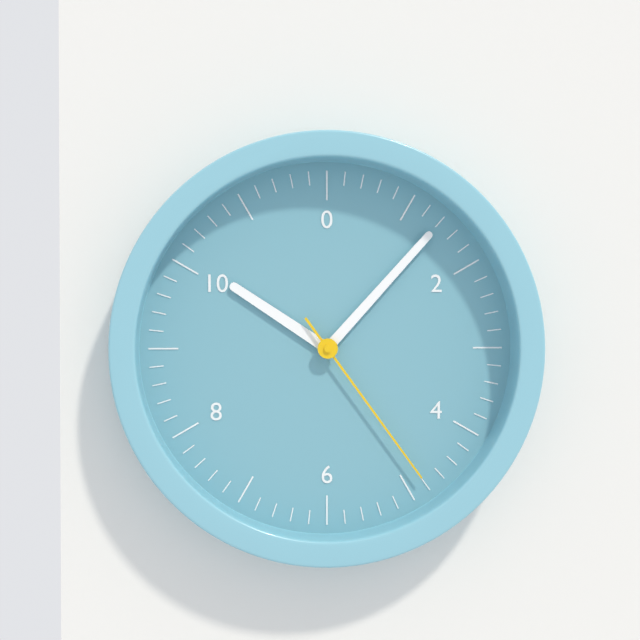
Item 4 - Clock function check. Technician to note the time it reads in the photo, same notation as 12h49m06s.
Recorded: 10h07m24s
